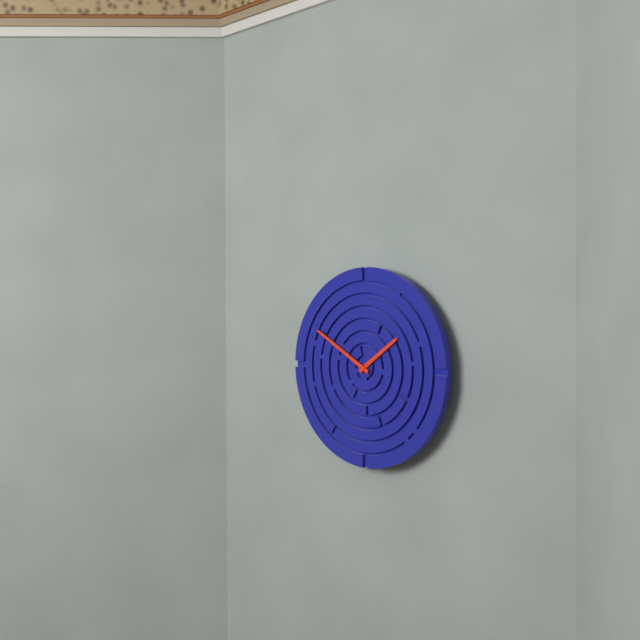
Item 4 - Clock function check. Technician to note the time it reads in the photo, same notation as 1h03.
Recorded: 1h50
